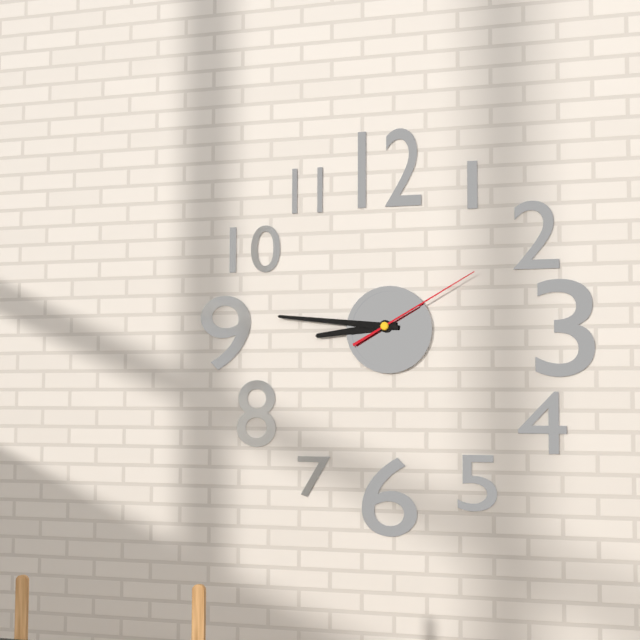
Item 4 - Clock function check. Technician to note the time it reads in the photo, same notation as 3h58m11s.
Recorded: 8h46m10s
